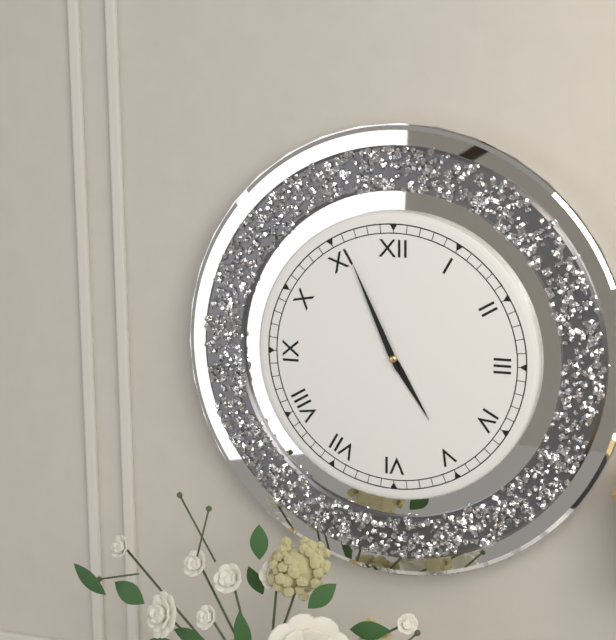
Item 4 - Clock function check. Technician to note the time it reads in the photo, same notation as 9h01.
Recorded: 4h56
